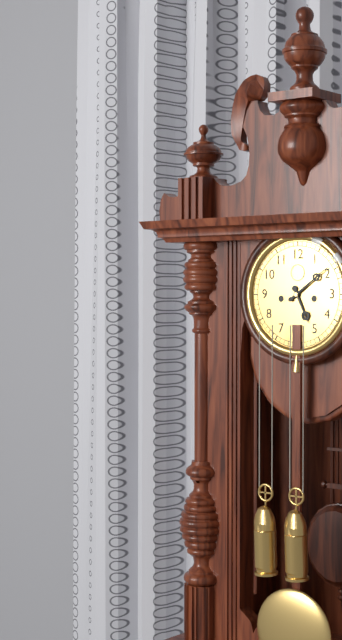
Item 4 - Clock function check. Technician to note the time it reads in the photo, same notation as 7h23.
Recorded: 5h09
